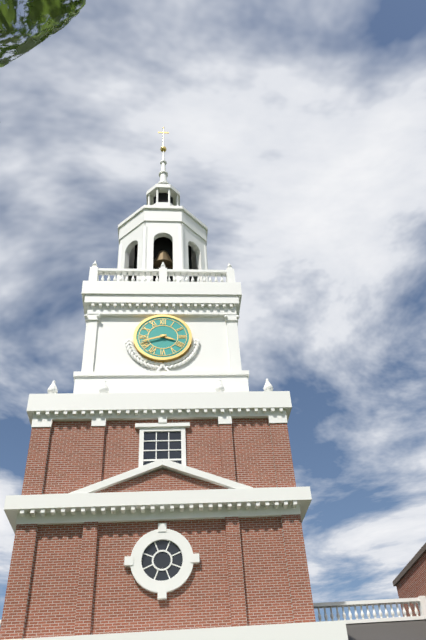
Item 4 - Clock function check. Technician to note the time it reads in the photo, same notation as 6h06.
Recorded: 3h42
